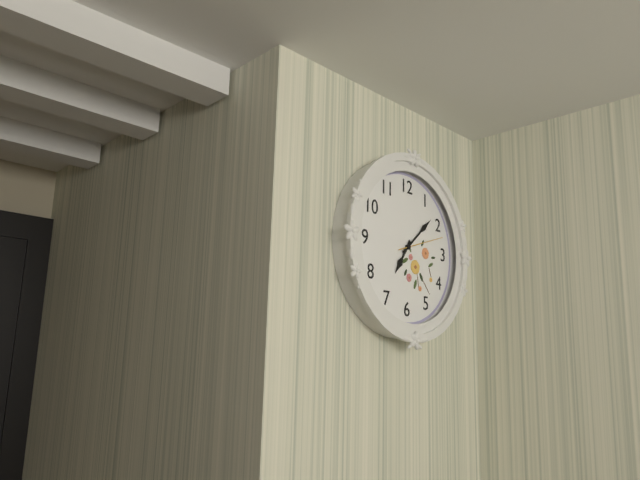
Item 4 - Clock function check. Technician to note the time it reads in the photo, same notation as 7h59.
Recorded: 7h08
